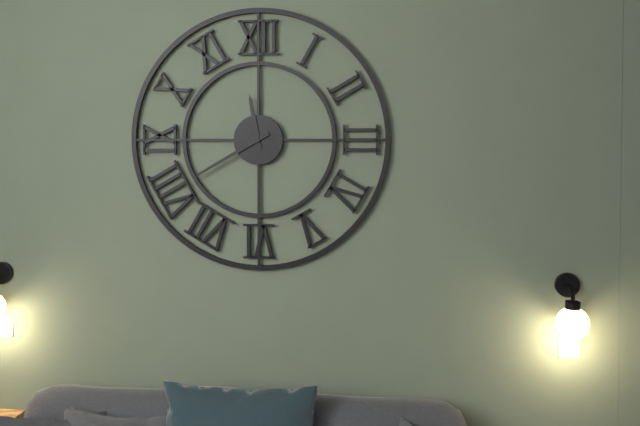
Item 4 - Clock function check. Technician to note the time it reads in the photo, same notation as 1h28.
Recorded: 11h40
